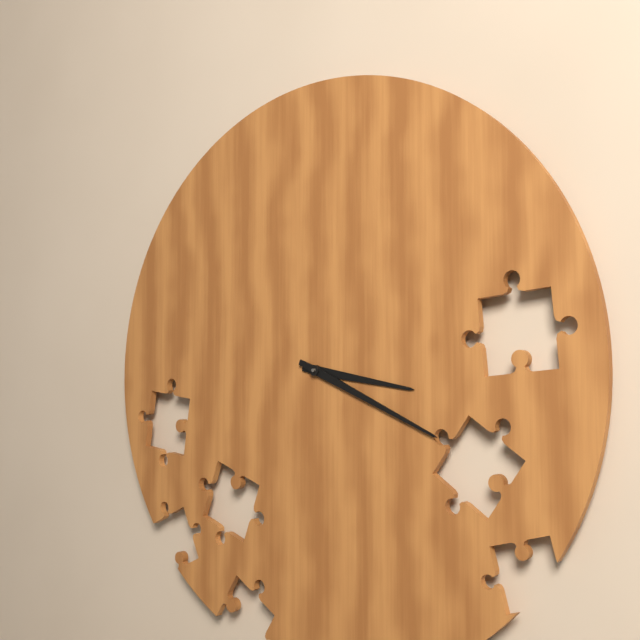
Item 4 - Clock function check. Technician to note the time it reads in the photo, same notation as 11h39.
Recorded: 3h19
